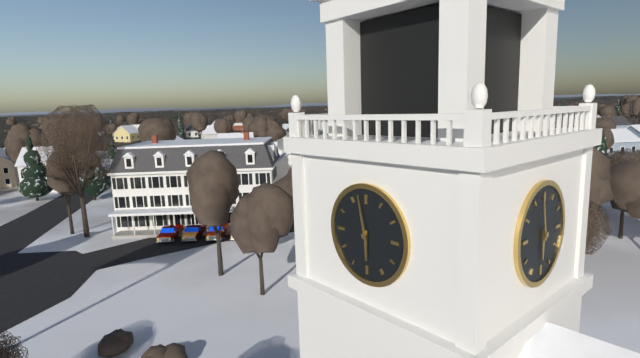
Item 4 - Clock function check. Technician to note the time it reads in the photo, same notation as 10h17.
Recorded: 5h58
